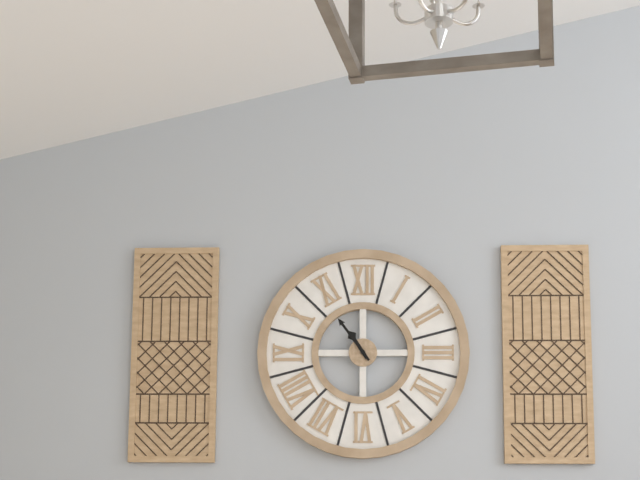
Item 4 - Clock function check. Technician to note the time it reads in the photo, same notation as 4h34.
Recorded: 10h54
